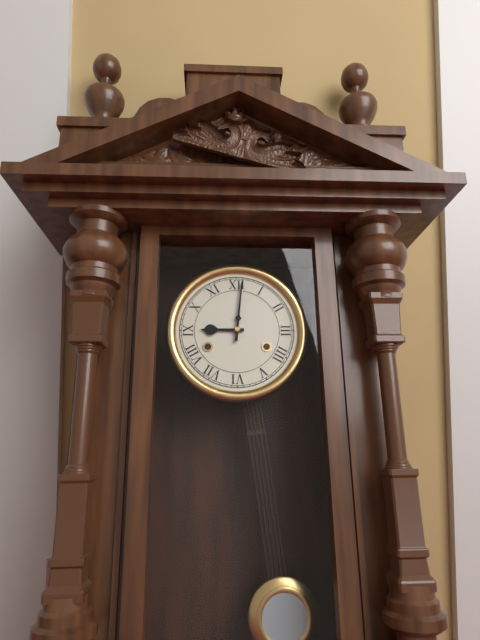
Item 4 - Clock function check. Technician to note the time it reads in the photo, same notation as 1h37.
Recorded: 9h01
